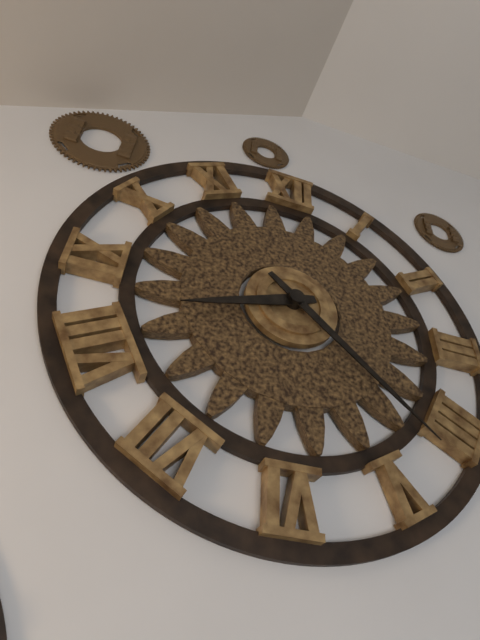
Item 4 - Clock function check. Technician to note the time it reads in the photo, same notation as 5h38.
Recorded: 8h22
